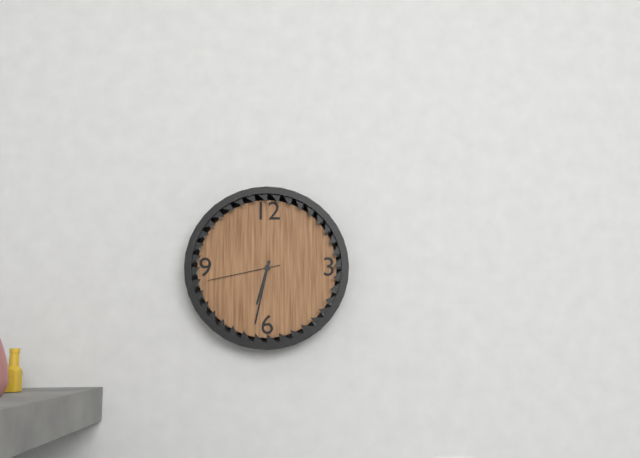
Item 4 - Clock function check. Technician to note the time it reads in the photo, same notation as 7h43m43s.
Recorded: 6h32m43s
